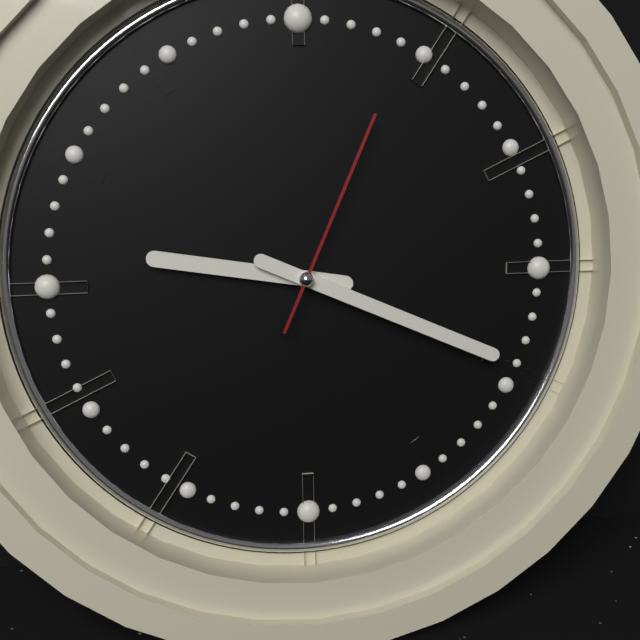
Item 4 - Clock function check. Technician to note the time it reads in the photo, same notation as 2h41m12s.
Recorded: 9h19m04s
